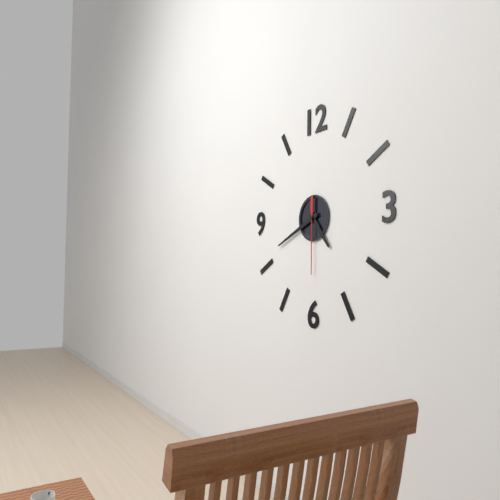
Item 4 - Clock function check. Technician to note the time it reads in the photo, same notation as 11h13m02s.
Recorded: 4h41m30s
